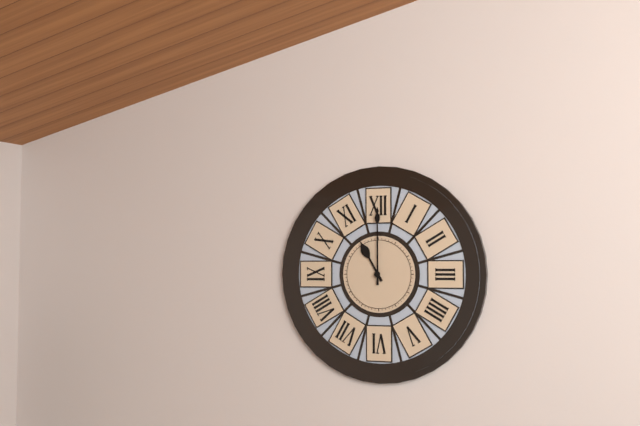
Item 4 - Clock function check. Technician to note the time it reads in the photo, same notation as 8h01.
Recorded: 11h00
